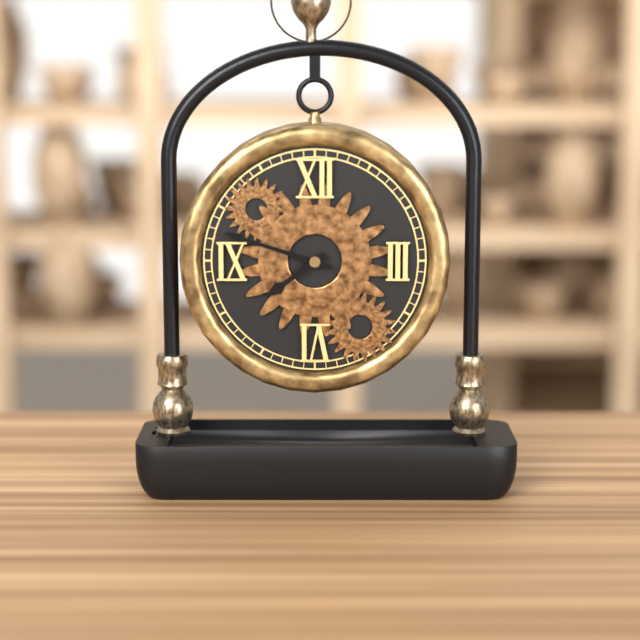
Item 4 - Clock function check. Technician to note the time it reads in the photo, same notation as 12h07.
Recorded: 7h48
